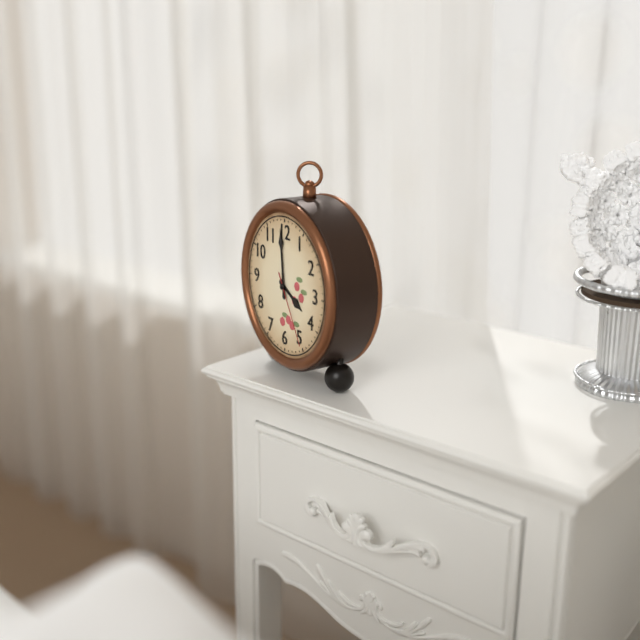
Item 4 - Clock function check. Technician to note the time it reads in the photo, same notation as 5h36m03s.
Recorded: 3h59m25s
